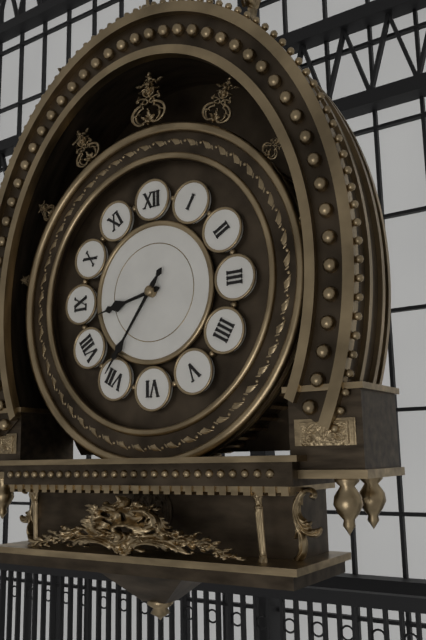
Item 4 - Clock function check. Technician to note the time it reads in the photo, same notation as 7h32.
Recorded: 8h36
